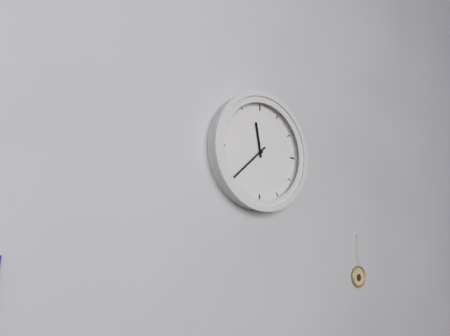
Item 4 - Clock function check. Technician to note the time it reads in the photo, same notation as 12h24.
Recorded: 11h38
